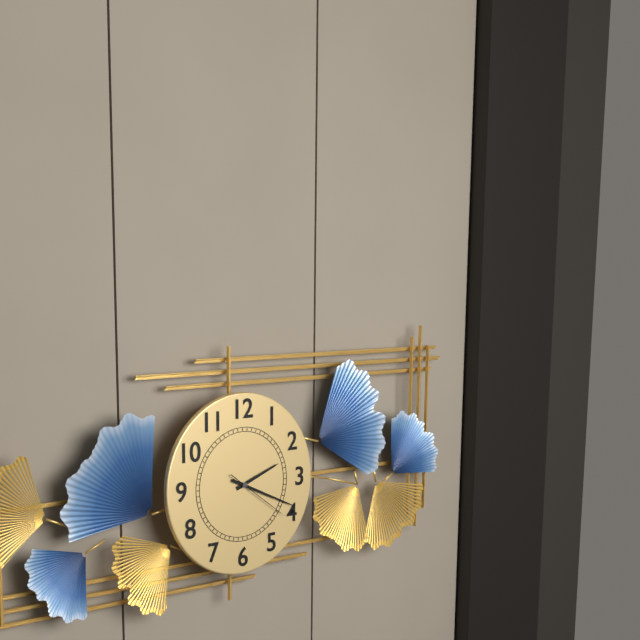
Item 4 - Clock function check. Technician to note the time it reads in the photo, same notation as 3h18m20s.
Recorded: 2h19m21s
